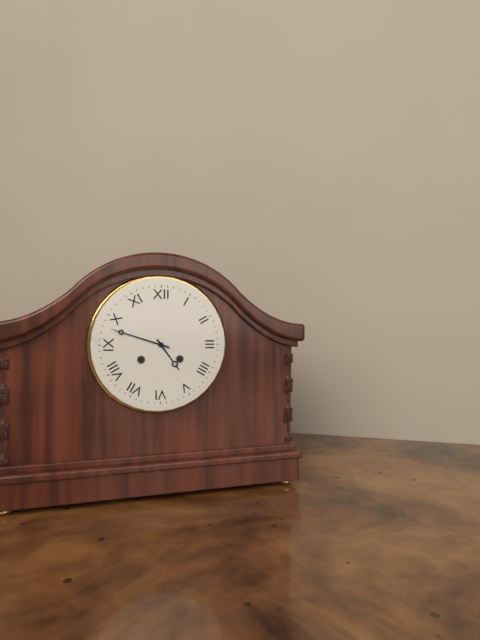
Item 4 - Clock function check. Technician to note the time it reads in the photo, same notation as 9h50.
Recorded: 4h48
